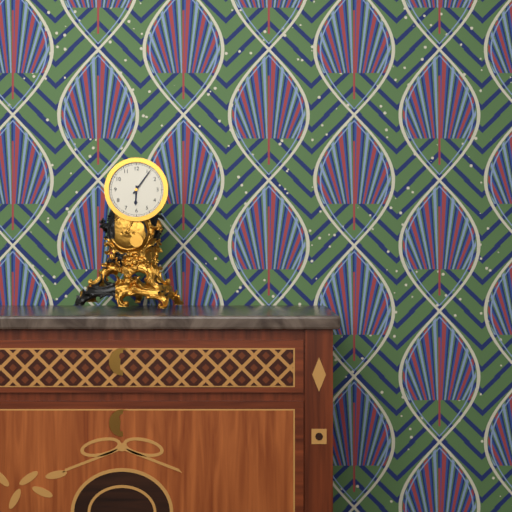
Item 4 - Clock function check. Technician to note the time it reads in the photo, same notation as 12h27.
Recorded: 6h06
